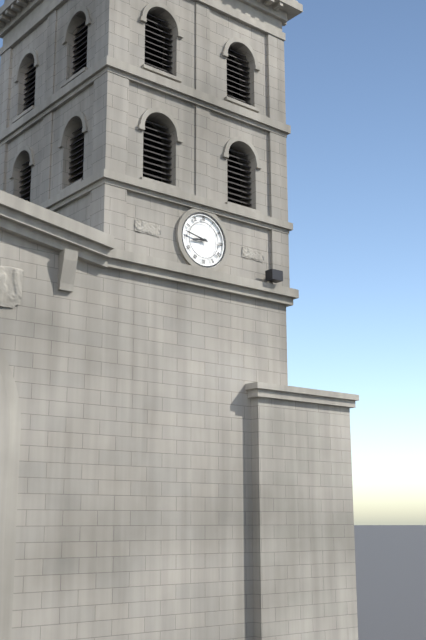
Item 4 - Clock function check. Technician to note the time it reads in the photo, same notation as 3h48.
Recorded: 8h47
